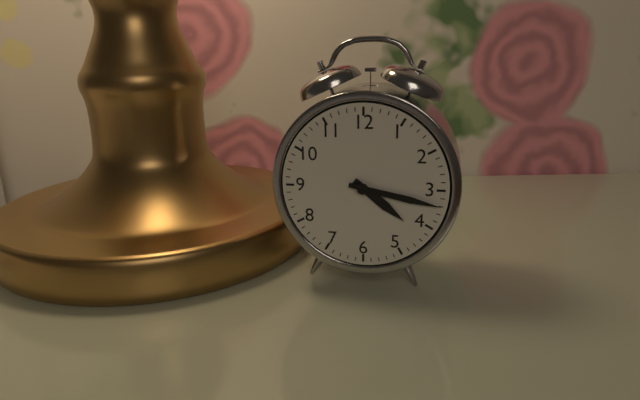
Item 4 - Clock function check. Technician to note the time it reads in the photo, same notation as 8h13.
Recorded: 4h17
